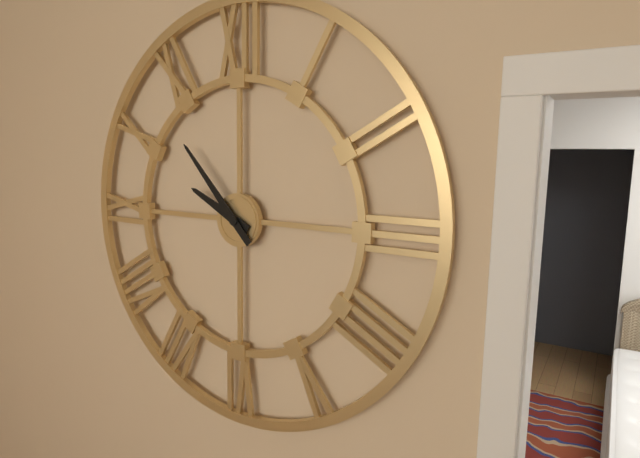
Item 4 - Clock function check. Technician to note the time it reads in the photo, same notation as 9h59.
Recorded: 9h53
